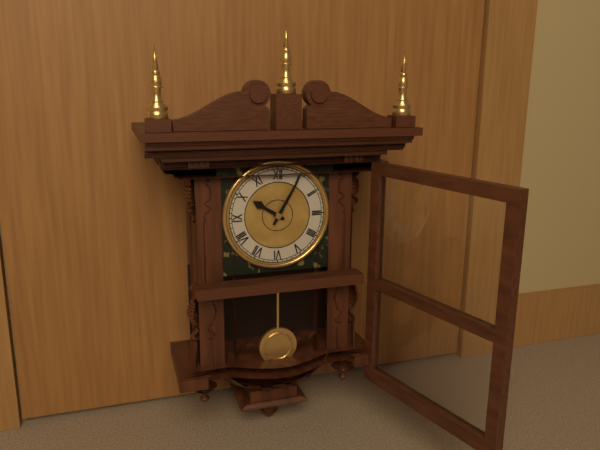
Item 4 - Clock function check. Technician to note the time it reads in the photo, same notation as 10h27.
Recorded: 10h05
